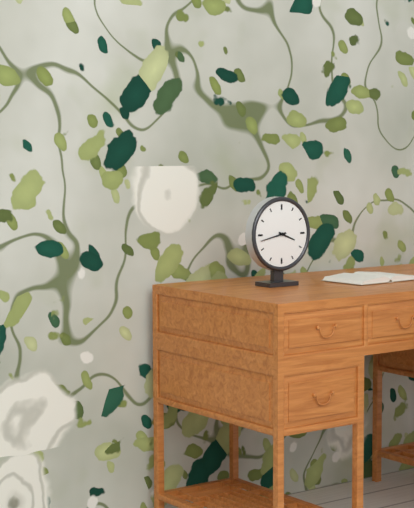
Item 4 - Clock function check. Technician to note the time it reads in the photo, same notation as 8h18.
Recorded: 3h43
